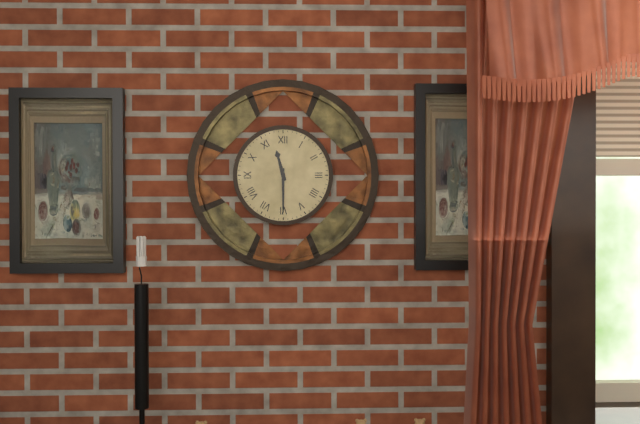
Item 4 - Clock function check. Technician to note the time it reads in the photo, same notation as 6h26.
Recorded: 11h30
